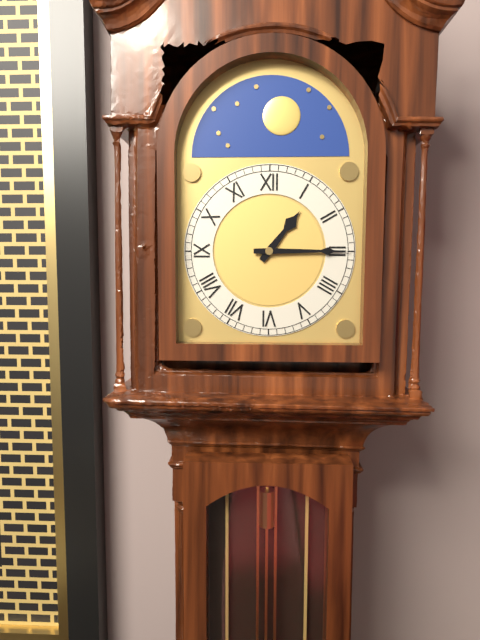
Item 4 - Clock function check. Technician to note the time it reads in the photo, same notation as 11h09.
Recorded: 1h15
